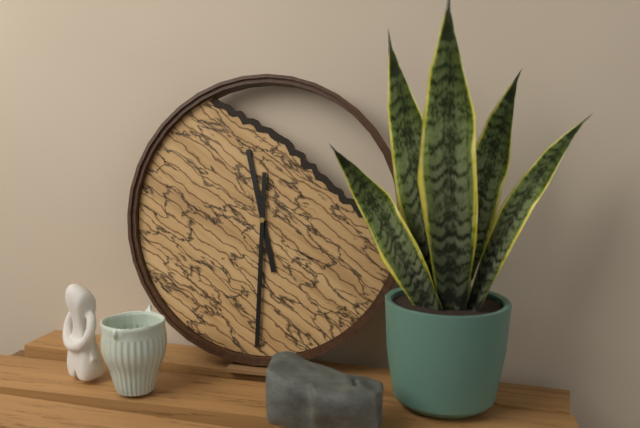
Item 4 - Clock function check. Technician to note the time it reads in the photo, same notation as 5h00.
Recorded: 11h30
